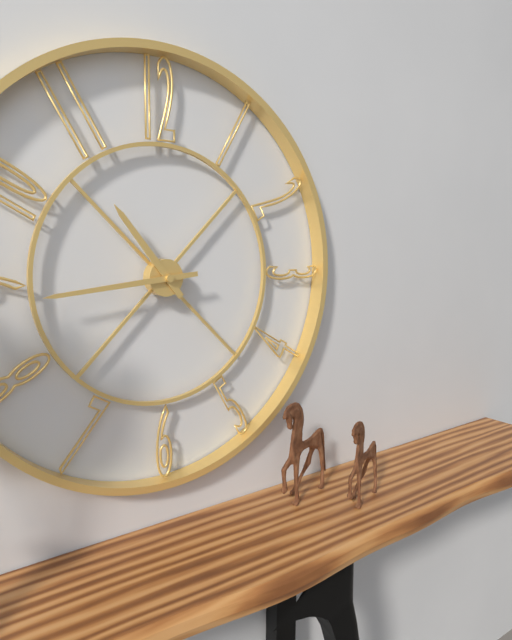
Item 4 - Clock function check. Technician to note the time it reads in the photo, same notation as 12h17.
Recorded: 10h44
